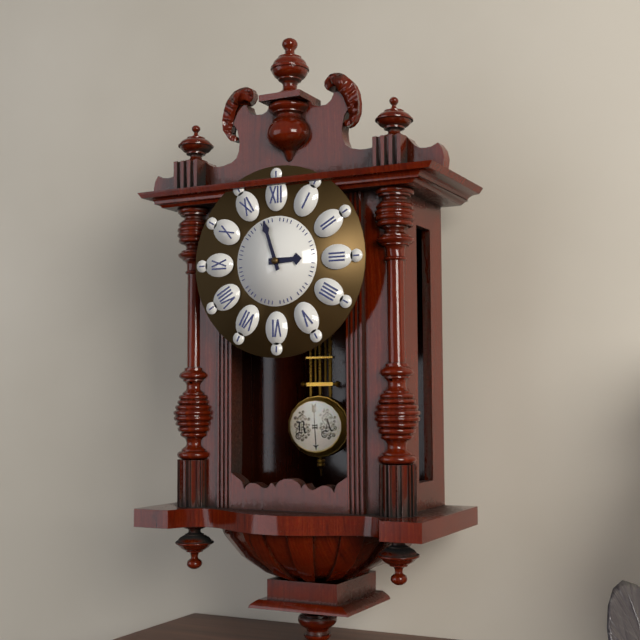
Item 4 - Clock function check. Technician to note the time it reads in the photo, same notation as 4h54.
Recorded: 2h57
